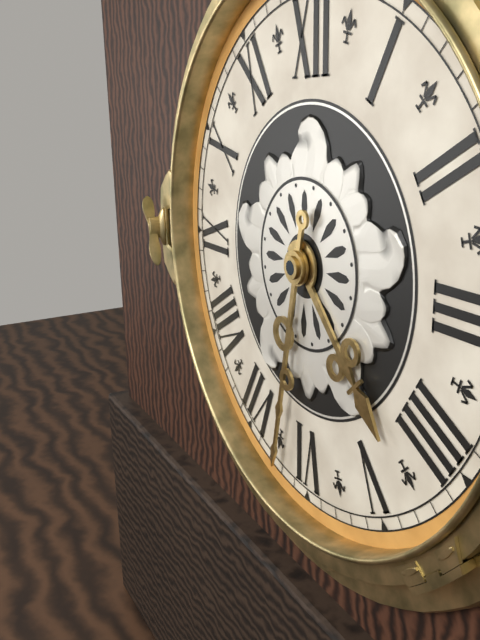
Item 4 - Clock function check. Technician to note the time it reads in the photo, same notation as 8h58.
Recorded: 4h32
